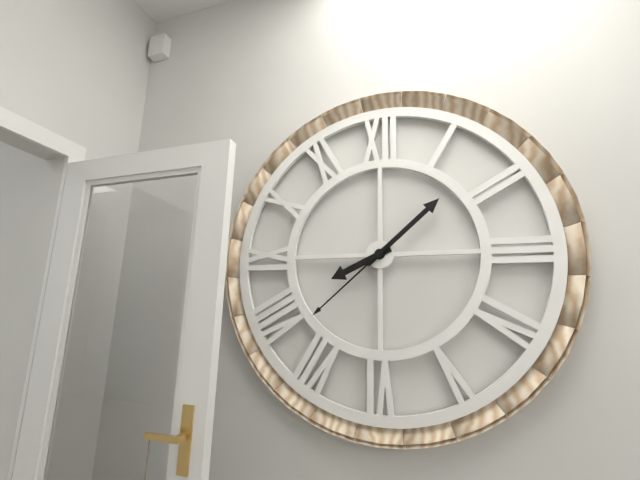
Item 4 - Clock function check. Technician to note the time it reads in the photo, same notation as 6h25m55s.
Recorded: 8h08m38s
